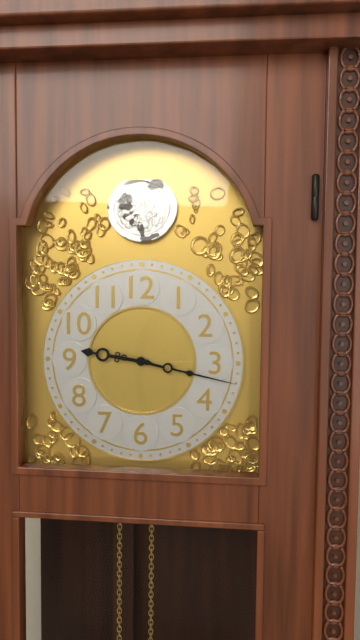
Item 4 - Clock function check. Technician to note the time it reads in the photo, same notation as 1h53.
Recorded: 9h17
